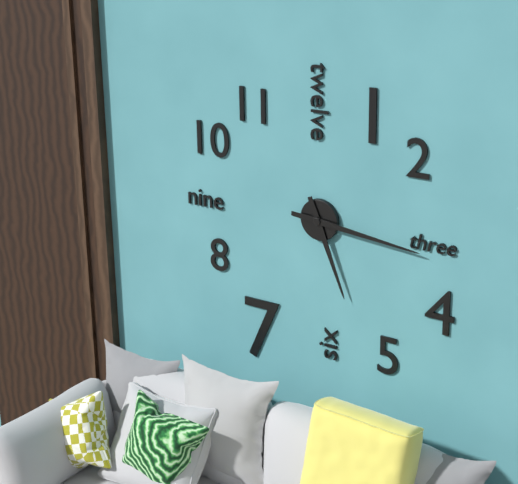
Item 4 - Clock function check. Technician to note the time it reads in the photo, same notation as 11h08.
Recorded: 5h16
